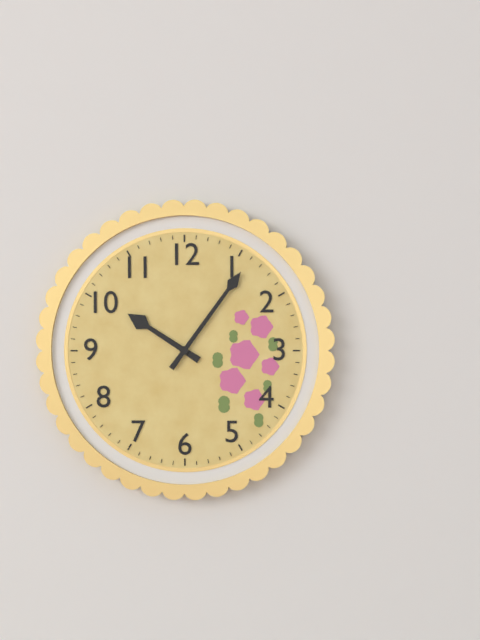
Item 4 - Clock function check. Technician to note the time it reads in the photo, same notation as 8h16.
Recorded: 10h06
